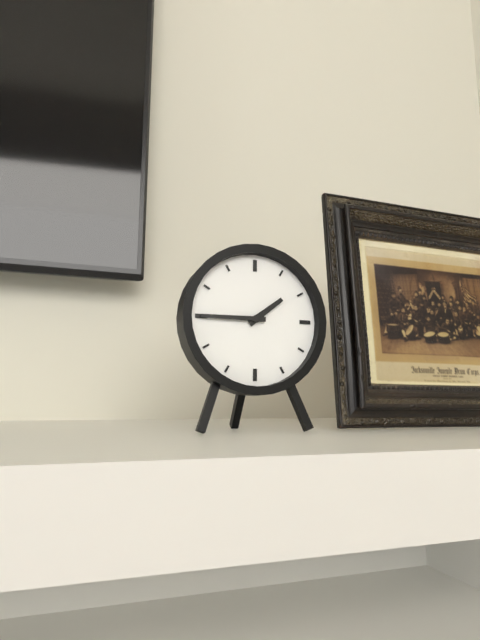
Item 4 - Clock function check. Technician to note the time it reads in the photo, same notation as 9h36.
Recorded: 1h45
